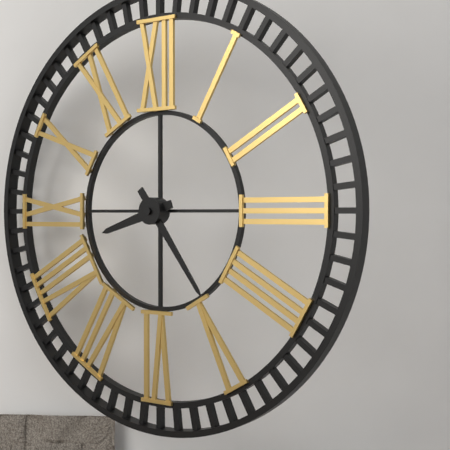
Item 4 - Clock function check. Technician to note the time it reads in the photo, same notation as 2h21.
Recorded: 8h24
